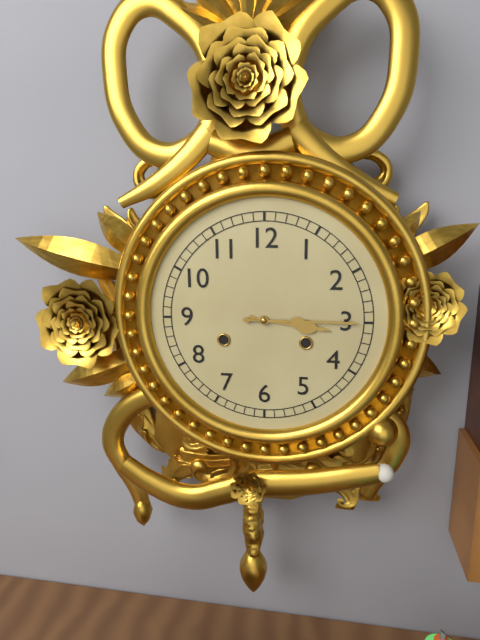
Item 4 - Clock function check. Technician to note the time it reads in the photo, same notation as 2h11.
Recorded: 3h15
